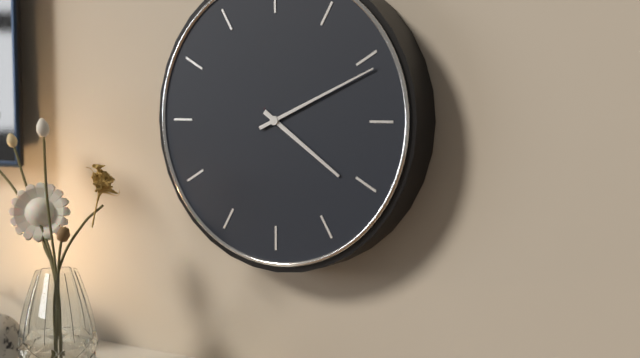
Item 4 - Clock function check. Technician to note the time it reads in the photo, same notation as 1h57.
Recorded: 4h11
